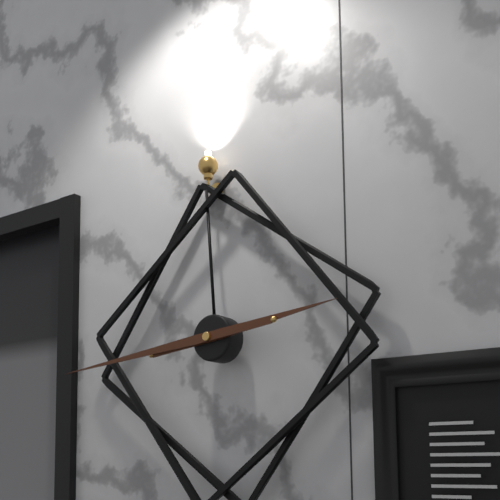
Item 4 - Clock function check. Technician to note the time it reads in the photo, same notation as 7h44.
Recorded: 2h44
